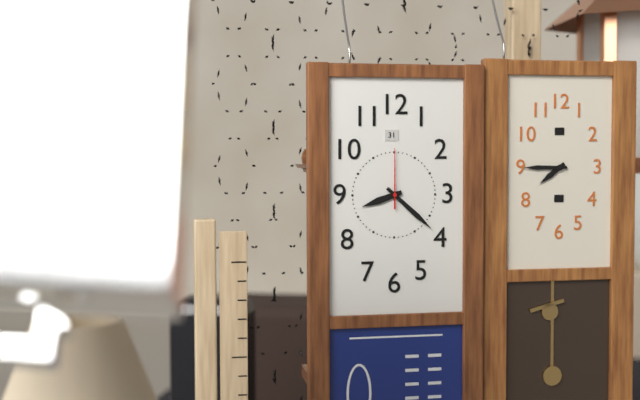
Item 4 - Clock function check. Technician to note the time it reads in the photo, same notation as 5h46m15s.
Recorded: 8h22m00s
